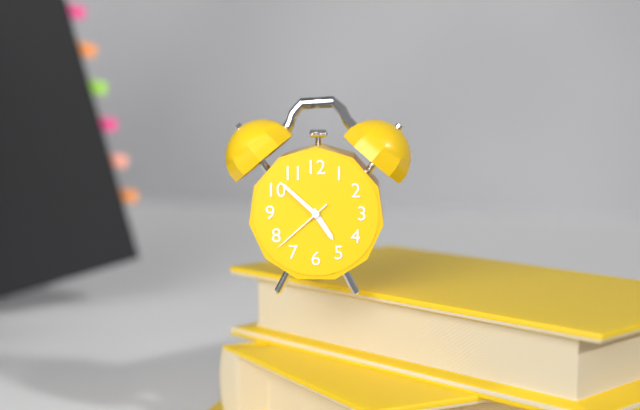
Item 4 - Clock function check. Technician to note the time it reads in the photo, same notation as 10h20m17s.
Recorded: 4h52m38s
